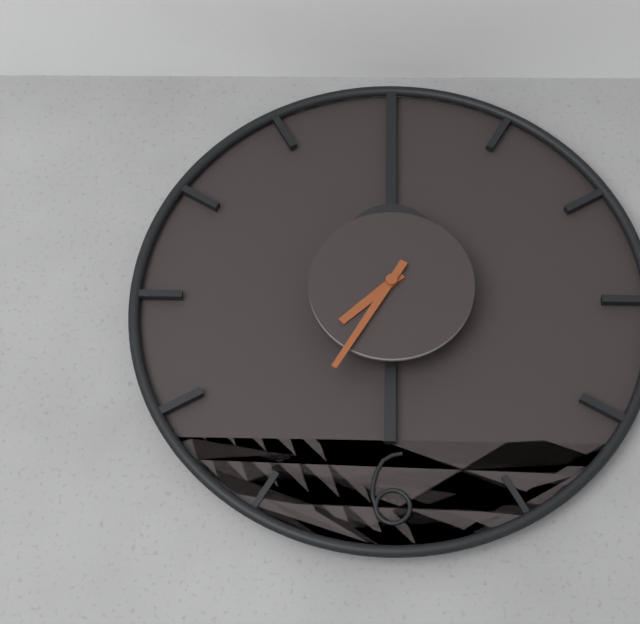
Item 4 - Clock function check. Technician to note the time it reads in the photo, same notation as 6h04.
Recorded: 7h35
